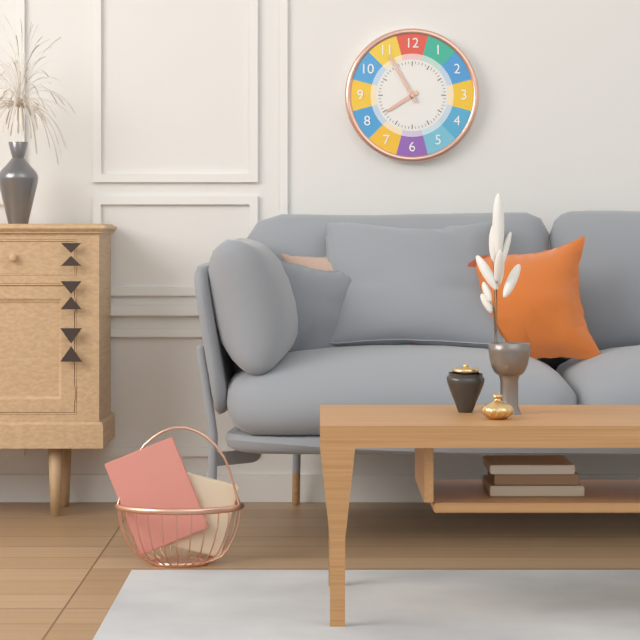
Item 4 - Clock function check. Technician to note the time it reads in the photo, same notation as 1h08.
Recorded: 7h55
